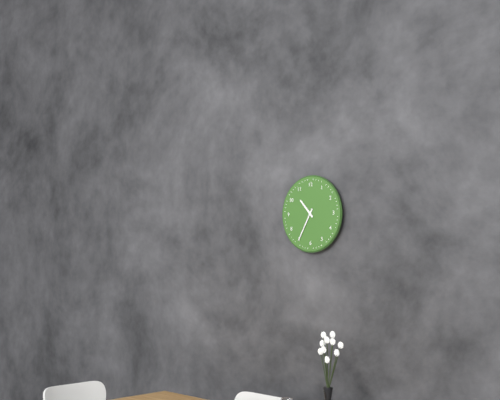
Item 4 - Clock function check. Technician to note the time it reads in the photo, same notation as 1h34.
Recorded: 10h35
